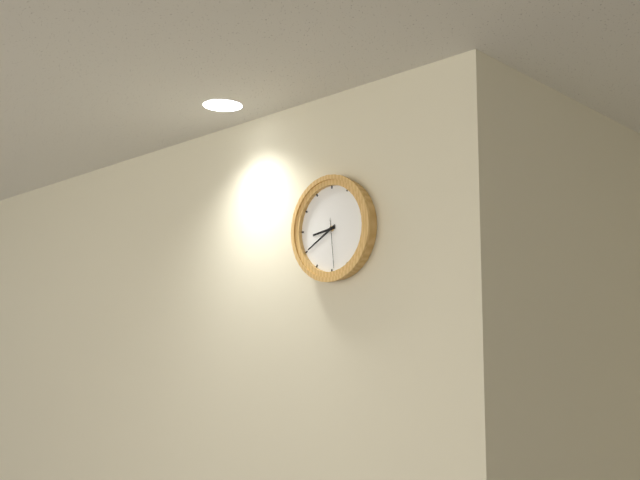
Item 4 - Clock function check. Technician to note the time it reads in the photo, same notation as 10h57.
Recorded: 8h40
